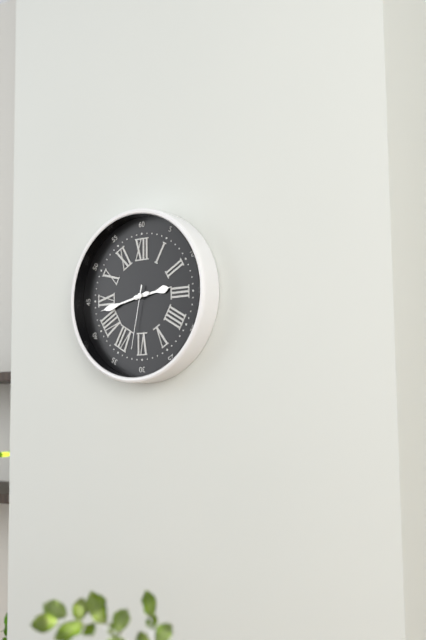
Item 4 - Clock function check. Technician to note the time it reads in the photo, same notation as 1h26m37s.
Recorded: 2h43m32s
